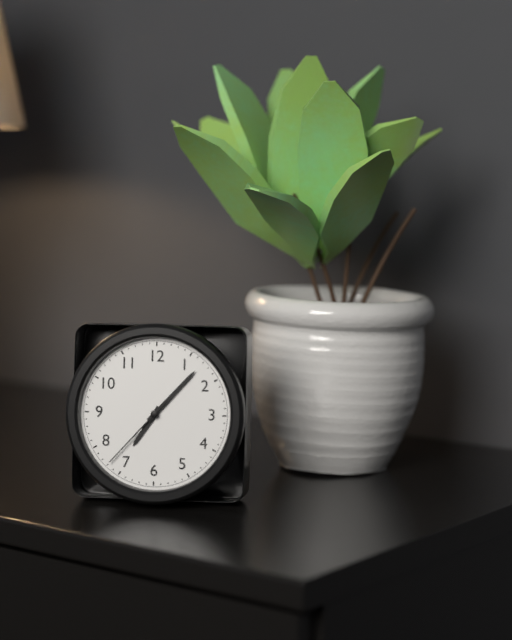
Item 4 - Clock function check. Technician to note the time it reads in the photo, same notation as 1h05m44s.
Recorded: 7h07m37s
